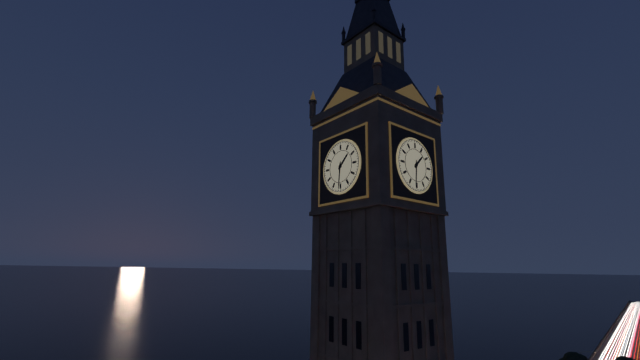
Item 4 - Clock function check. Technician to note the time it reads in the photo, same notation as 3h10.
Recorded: 1h31
